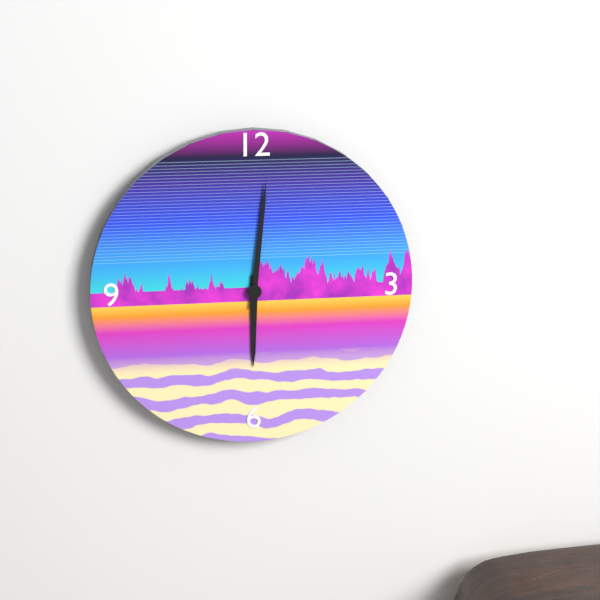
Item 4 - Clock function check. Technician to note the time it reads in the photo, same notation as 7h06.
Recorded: 6h01
